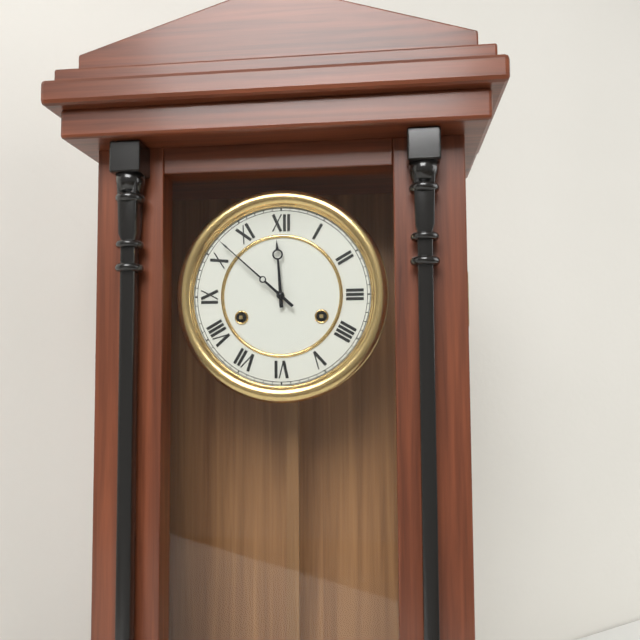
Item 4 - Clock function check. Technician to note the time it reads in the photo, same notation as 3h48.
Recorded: 11h52
